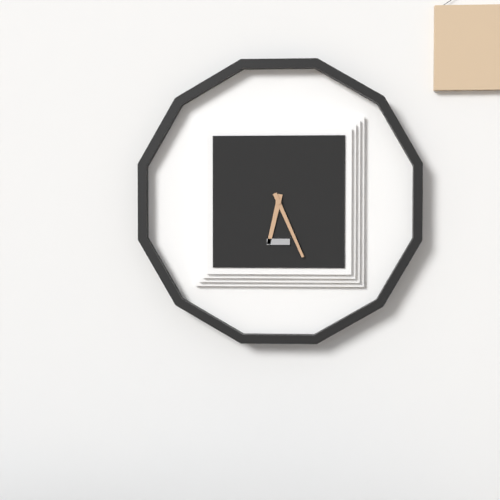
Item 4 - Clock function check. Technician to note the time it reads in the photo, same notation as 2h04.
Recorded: 6h26
